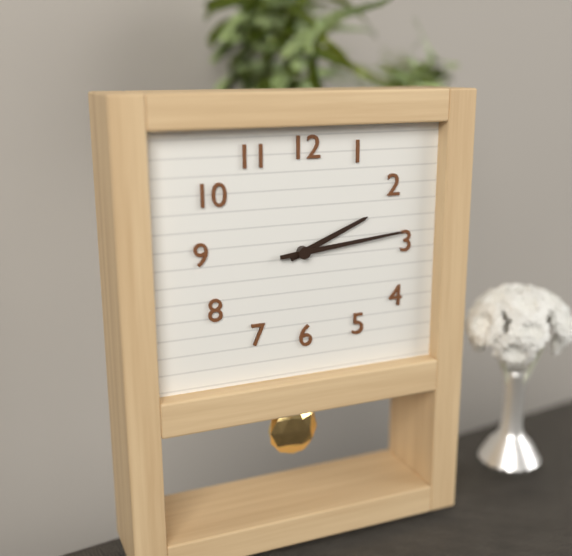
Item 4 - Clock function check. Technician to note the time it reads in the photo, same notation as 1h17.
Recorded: 2h14
